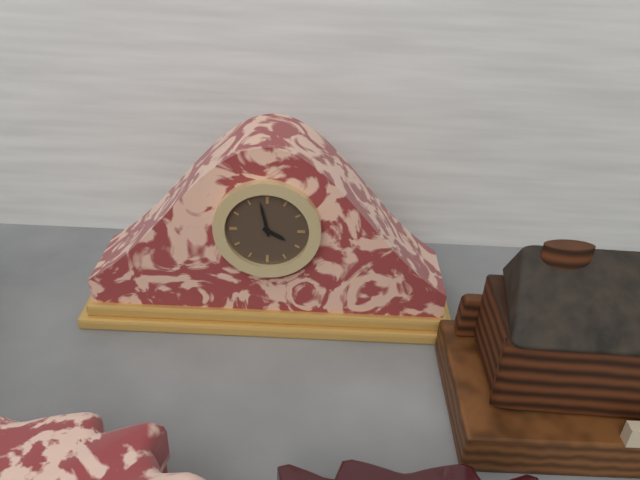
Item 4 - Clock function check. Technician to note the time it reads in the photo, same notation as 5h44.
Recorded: 3h58
